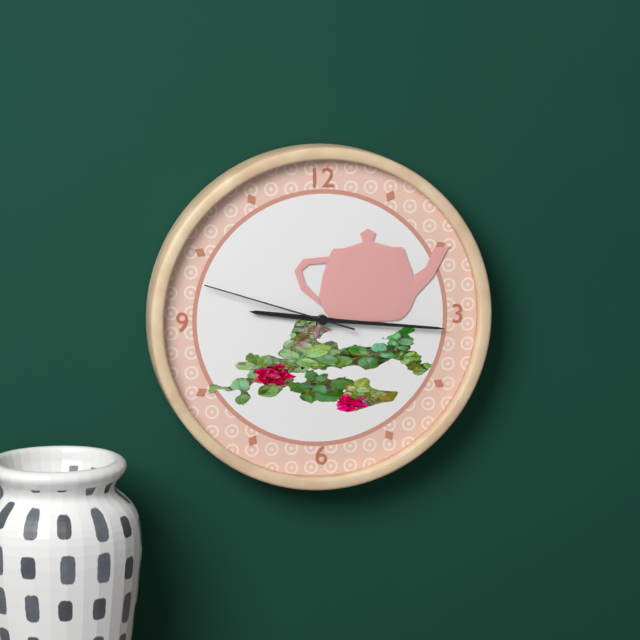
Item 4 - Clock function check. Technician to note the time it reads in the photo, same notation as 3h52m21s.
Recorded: 9h16m48s
